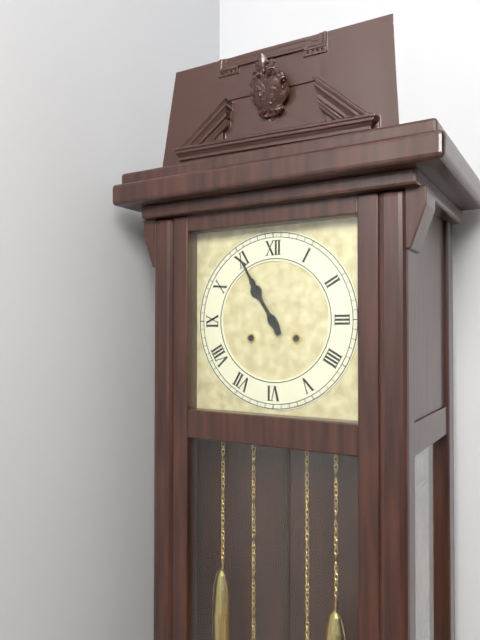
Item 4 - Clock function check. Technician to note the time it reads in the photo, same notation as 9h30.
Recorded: 10h55
